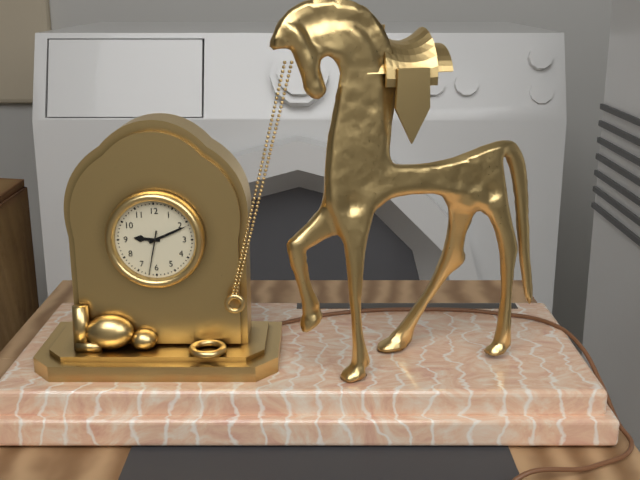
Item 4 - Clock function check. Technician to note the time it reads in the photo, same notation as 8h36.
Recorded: 9h11
